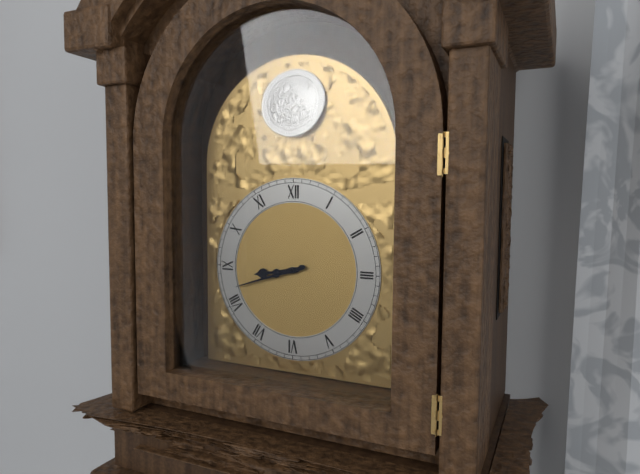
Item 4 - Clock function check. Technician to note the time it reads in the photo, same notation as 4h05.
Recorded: 8h42
